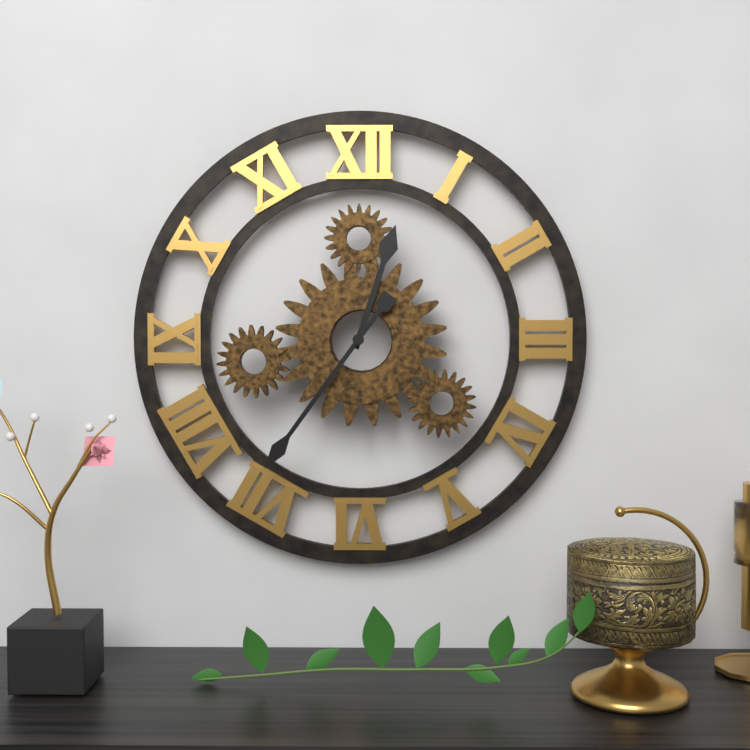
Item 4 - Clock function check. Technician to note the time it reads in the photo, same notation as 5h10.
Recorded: 12h36
